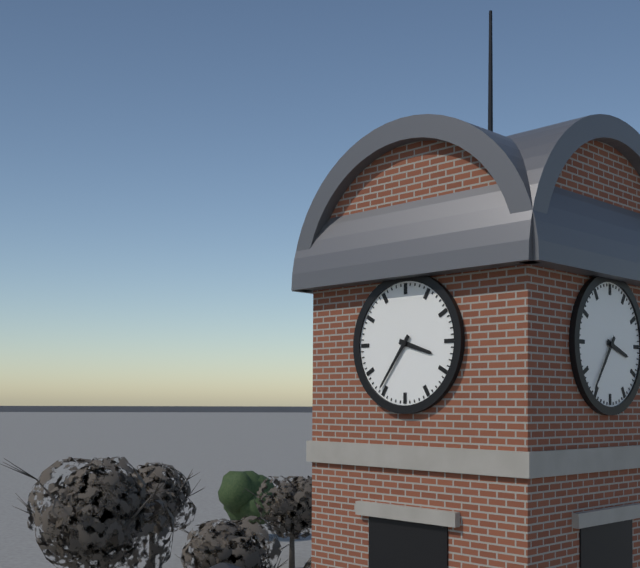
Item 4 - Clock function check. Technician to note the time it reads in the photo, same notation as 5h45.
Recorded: 3h36
